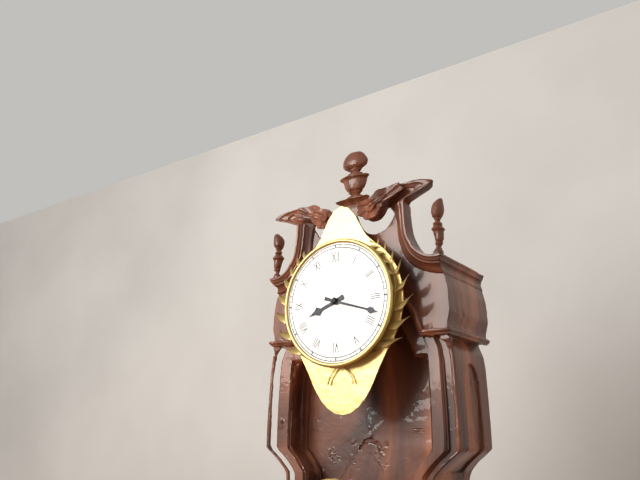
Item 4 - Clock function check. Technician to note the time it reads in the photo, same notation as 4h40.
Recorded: 8h18
